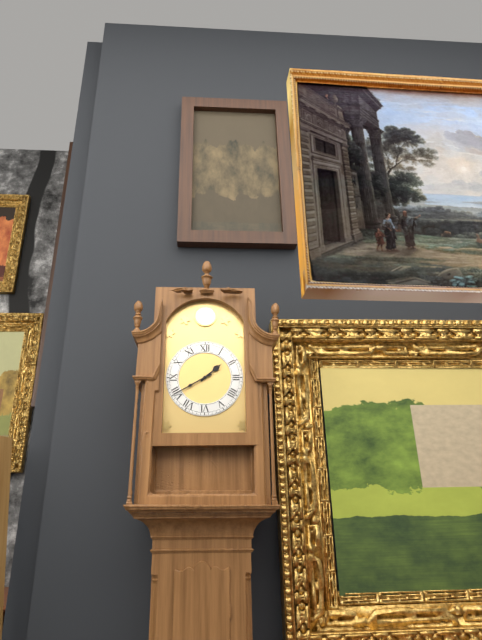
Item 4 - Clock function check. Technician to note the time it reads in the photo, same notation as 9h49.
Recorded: 1h40
